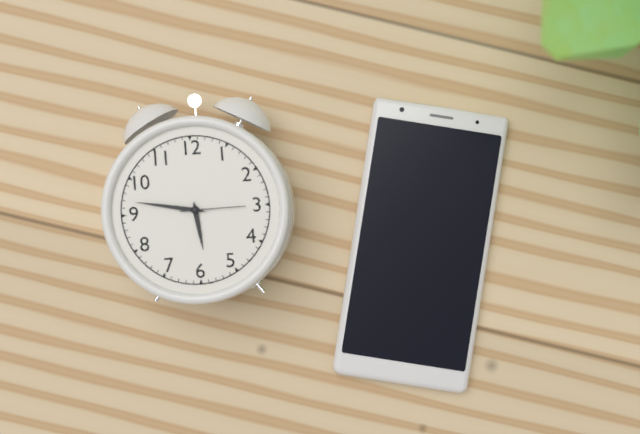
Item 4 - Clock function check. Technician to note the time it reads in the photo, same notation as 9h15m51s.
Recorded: 5h47m15s
